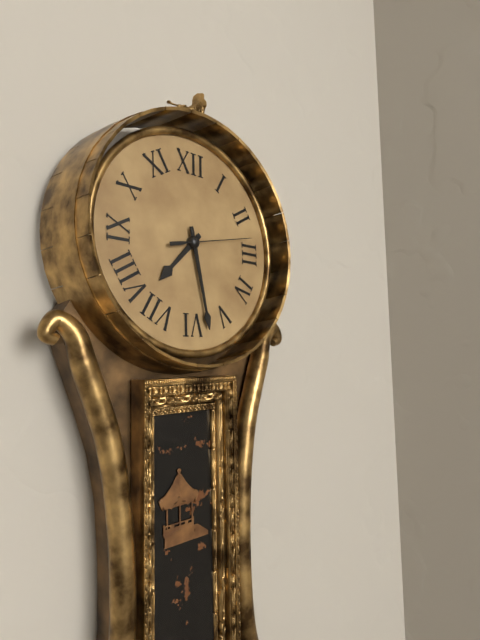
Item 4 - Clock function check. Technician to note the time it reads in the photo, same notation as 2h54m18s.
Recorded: 7h28m13s
